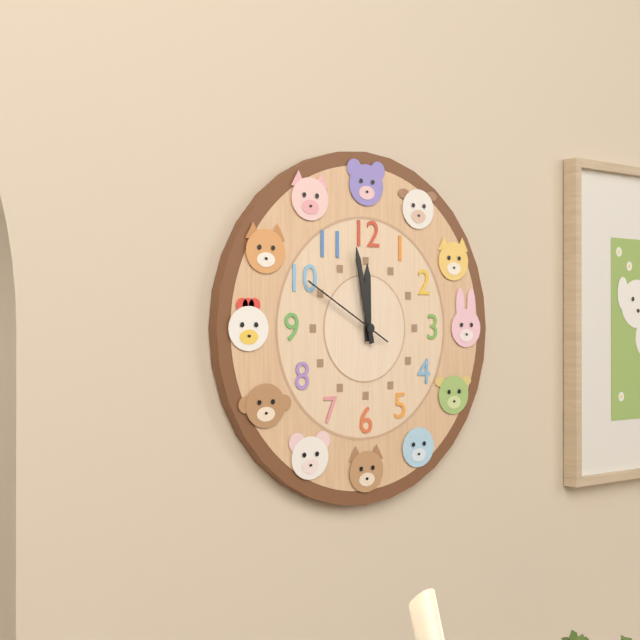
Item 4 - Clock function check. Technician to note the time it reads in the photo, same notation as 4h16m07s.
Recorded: 11h58m50s
